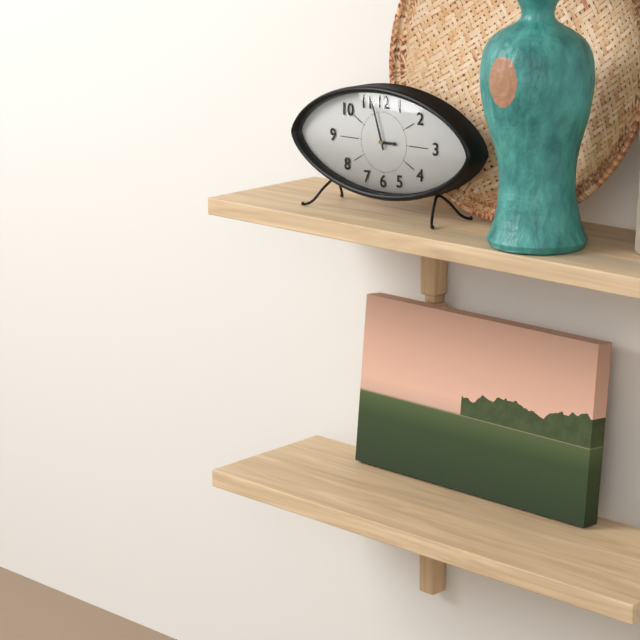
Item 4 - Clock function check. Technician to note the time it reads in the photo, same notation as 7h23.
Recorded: 2h57
